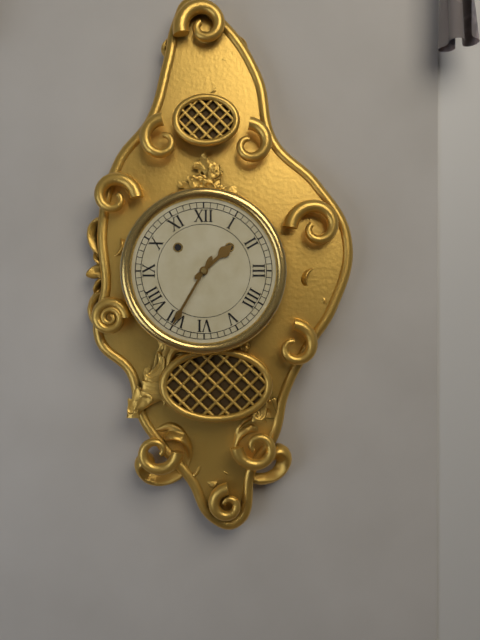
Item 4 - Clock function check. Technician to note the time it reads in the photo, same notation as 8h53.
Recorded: 1h35
